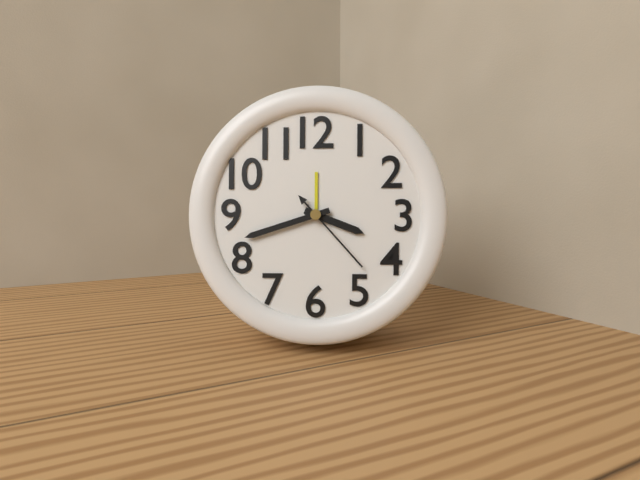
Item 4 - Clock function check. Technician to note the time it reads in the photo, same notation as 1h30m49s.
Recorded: 3h42m23s
